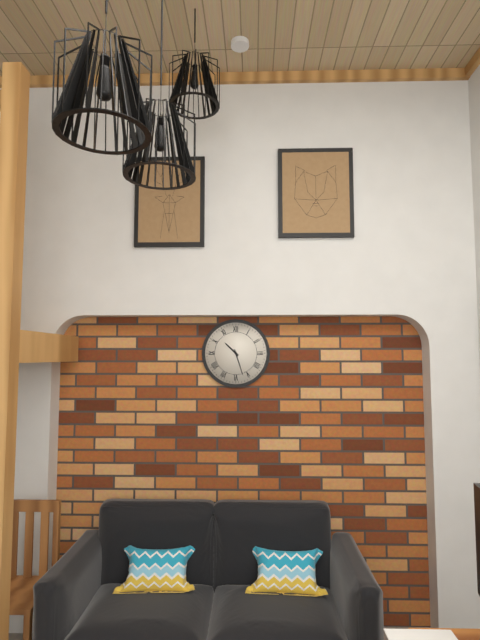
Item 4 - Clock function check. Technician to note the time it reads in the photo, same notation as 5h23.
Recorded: 10h27
